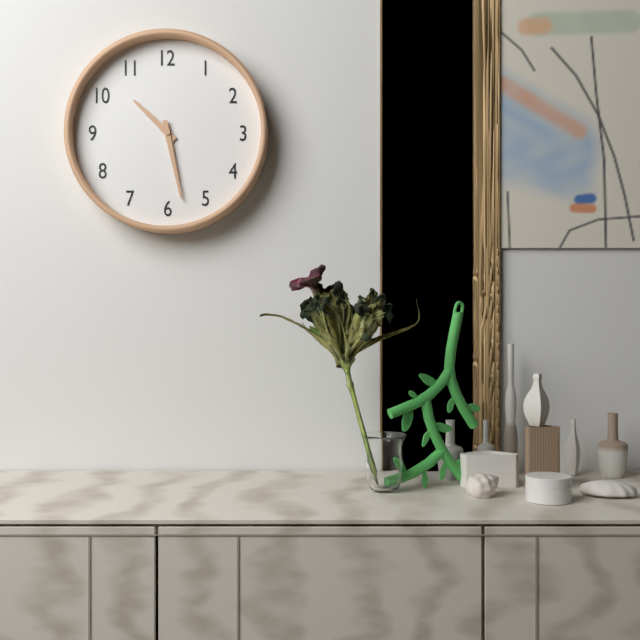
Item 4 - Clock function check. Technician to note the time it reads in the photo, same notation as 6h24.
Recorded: 10h28
